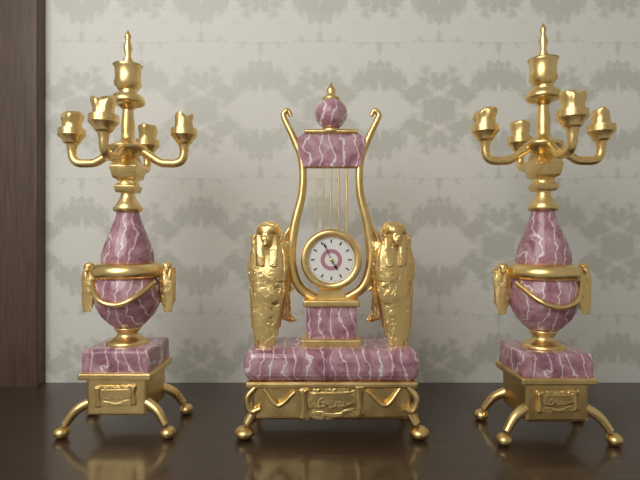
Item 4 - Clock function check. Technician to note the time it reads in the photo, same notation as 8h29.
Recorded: 4h56
